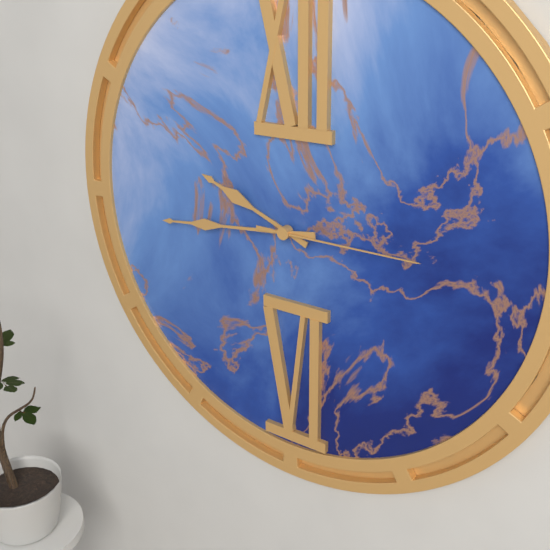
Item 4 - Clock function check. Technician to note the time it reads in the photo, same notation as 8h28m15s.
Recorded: 9h44m15s
